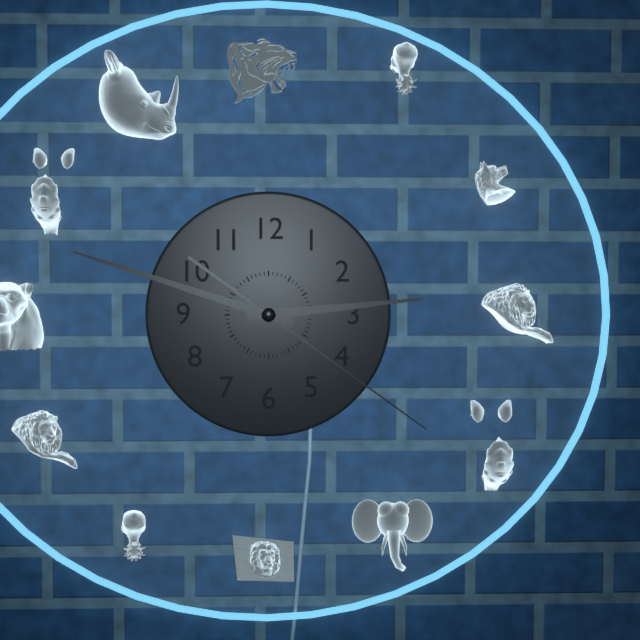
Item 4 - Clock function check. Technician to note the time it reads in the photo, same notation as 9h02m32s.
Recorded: 2h48m21s
